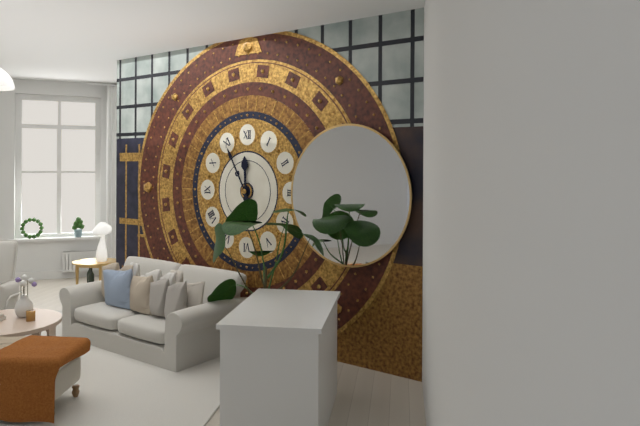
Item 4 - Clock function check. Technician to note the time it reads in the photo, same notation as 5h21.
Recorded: 11h55
